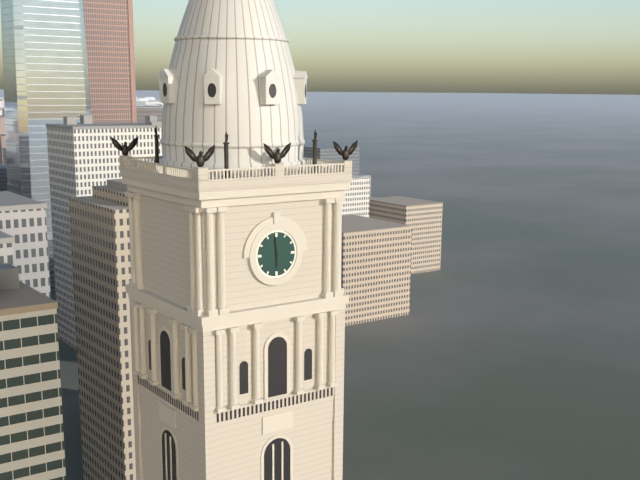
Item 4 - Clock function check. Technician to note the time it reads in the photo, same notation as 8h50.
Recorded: 5h59
